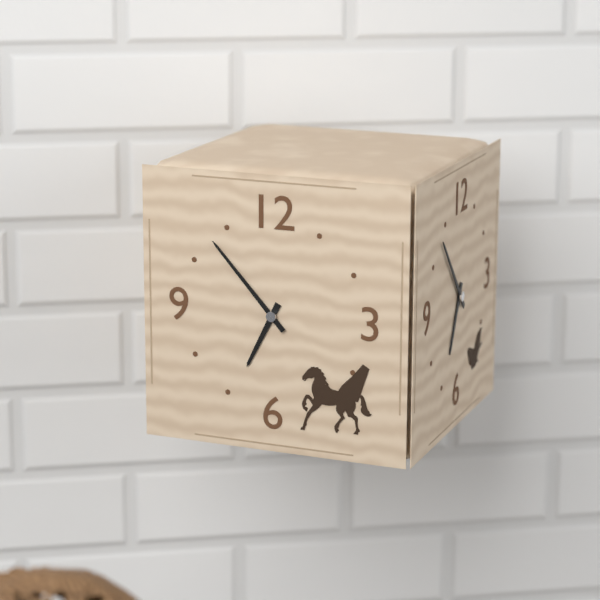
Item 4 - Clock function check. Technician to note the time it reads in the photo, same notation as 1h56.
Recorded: 6h53
